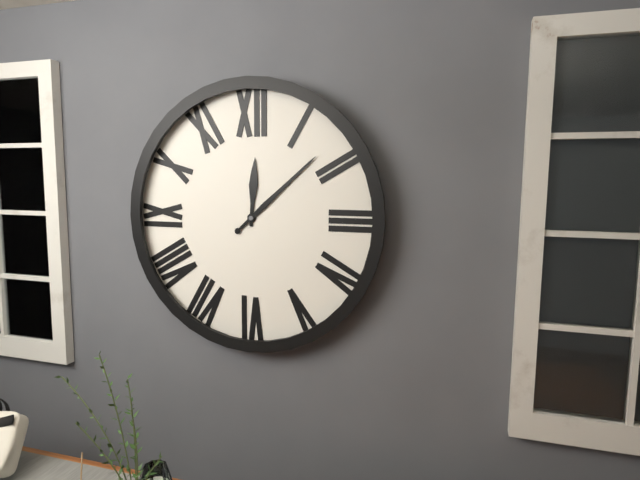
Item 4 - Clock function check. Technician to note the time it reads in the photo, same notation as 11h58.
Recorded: 12h08
